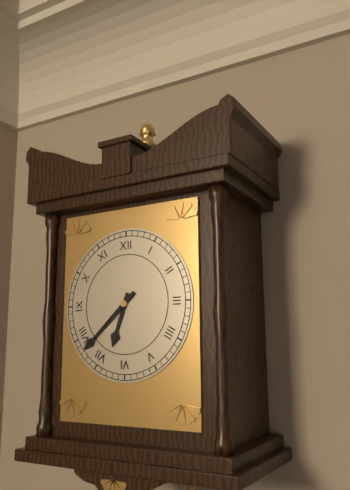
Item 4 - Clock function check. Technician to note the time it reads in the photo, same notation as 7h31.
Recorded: 6h38
